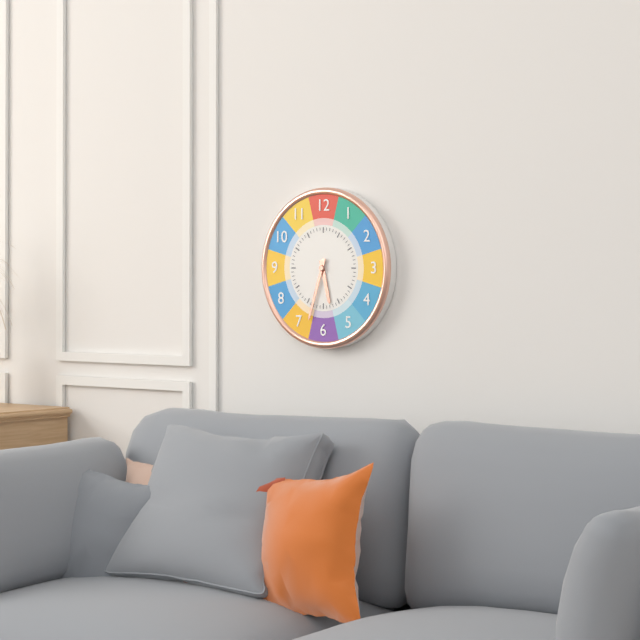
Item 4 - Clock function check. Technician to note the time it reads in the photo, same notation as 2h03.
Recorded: 5h33
